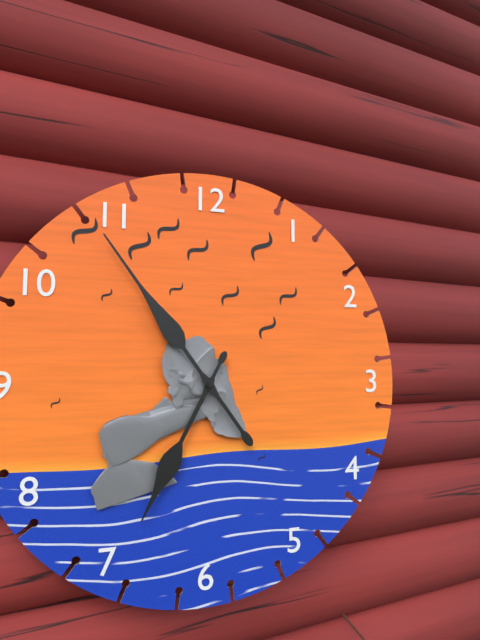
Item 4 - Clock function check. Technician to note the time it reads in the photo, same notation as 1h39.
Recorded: 6h54
